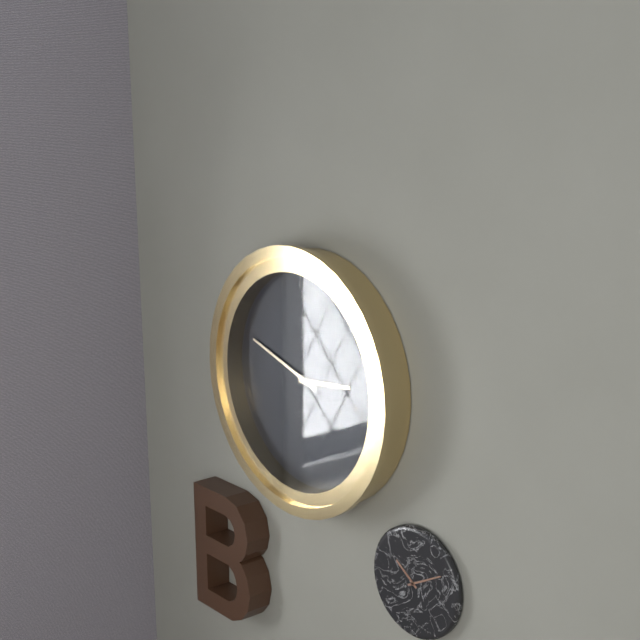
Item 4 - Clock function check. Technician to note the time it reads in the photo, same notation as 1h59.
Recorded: 2h48
